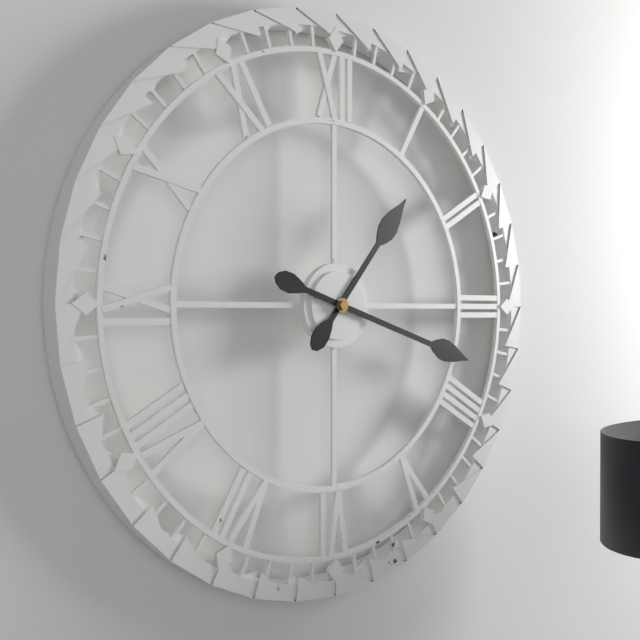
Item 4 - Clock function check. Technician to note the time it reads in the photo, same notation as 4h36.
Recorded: 1h18
